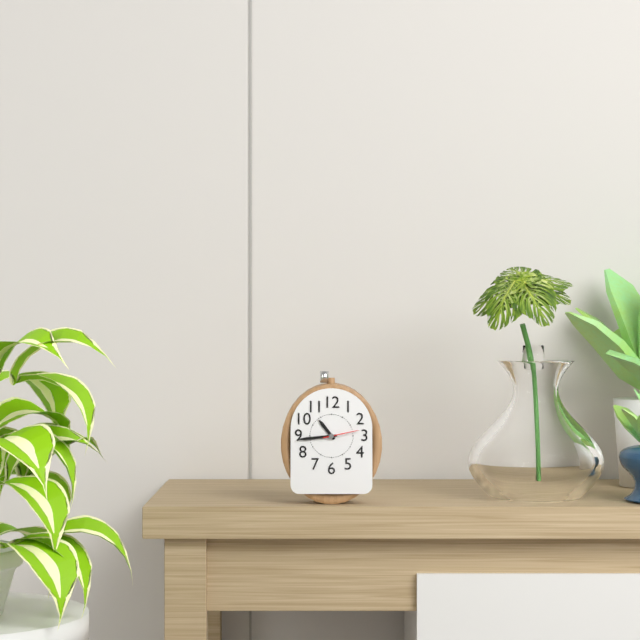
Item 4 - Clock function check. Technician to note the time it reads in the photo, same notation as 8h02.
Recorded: 10h44
